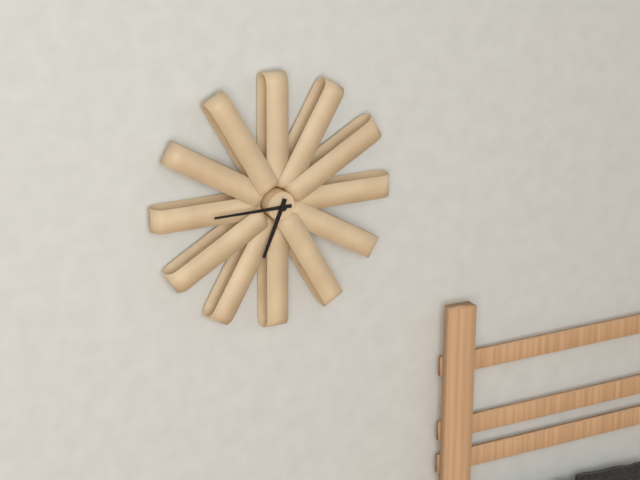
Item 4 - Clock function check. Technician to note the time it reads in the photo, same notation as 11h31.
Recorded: 6h45
